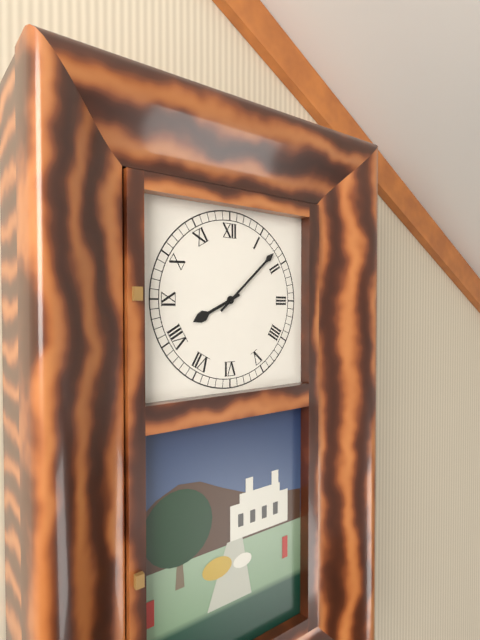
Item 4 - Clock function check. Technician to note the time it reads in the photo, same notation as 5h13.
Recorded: 8h08
